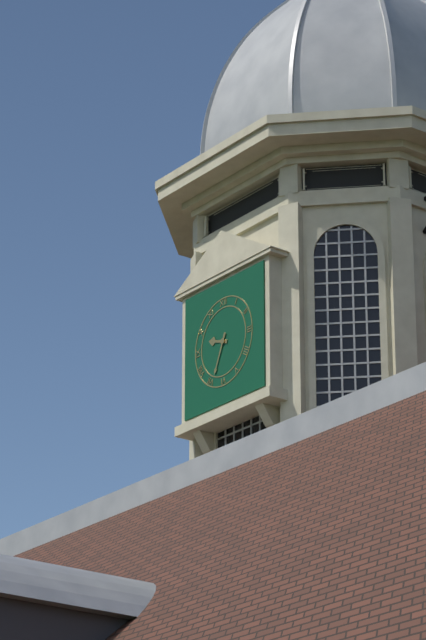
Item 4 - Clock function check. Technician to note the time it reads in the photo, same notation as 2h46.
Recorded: 9h34
